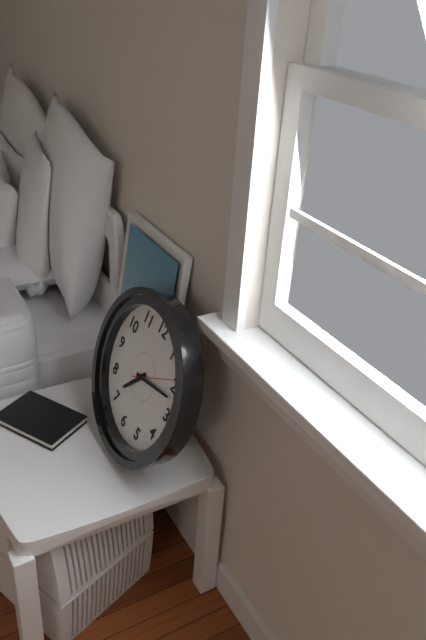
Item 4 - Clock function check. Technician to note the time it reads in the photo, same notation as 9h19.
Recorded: 7h12
